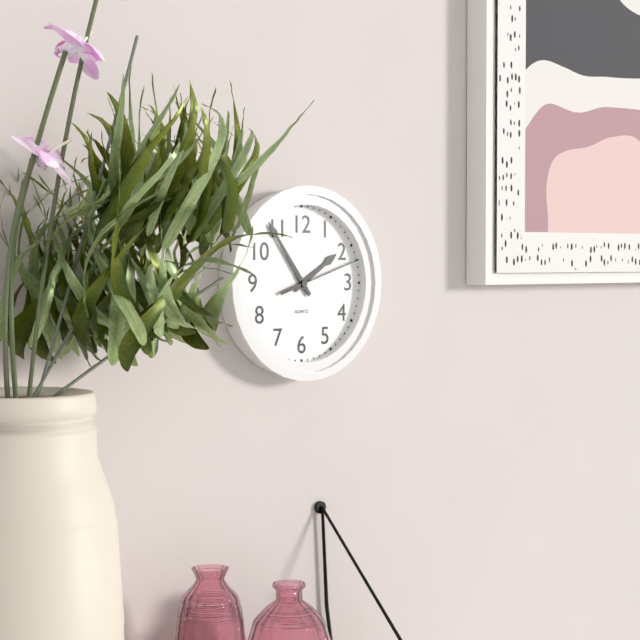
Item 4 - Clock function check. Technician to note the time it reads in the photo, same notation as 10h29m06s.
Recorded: 1h54m12s
